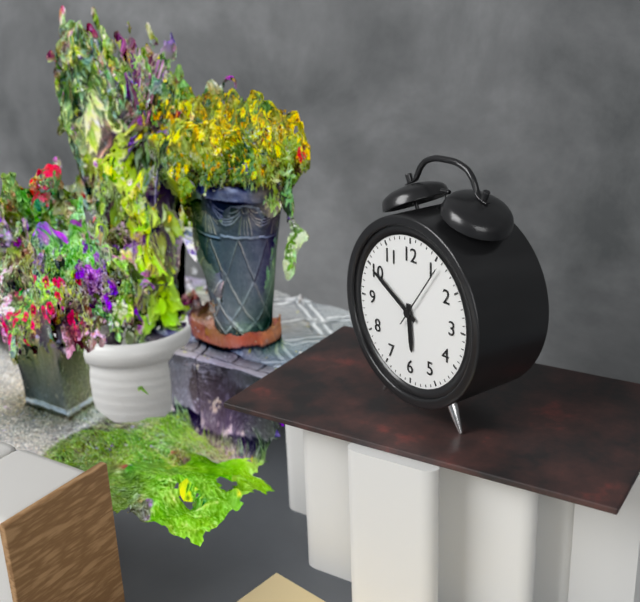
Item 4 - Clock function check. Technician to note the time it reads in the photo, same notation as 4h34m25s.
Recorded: 5h50m06s
